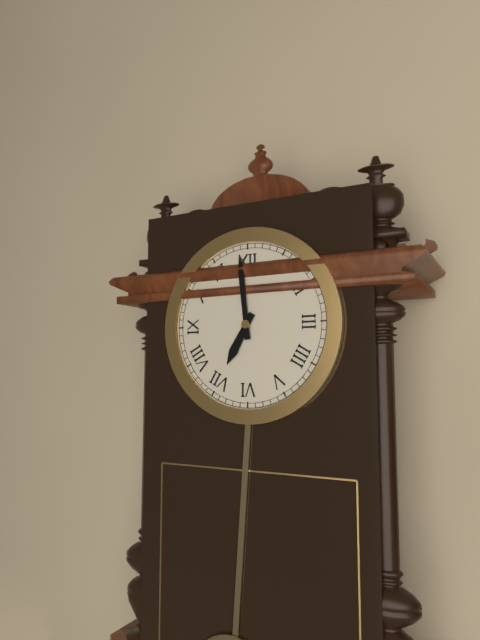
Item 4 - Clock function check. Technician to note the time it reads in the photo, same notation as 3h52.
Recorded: 6h59
